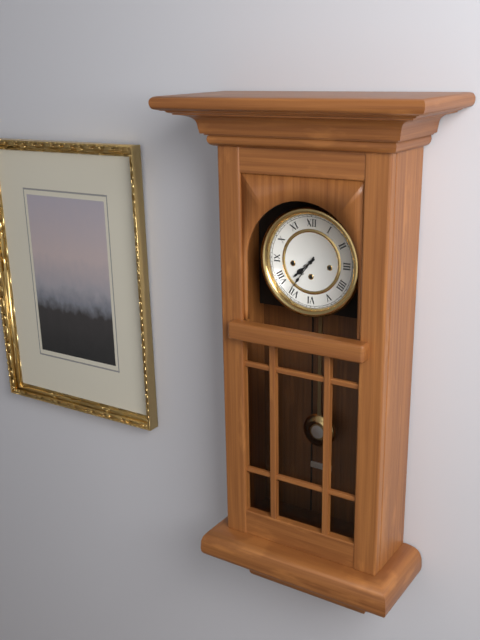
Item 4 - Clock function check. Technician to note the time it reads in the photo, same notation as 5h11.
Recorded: 7h36
